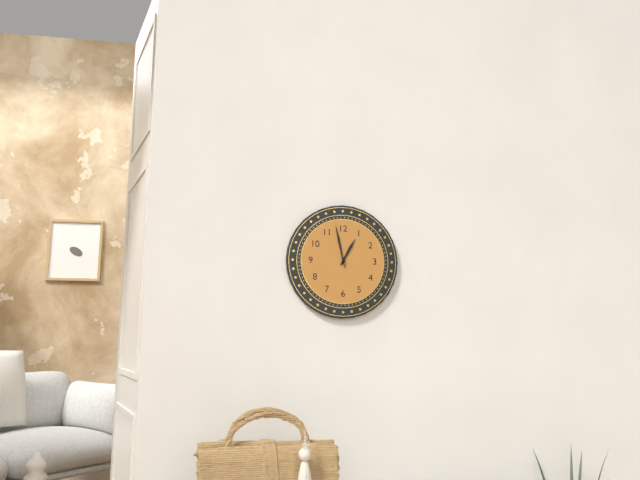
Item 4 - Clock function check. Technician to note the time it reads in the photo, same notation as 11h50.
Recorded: 12h58
